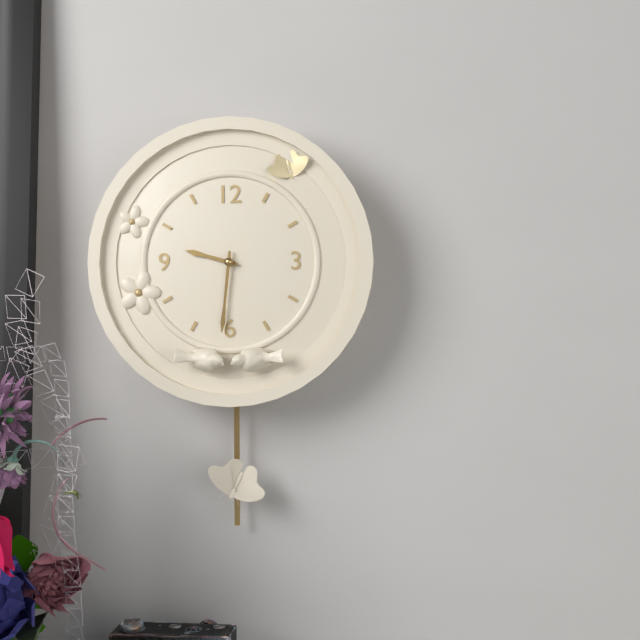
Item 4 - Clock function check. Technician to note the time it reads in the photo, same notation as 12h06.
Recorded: 9h31
